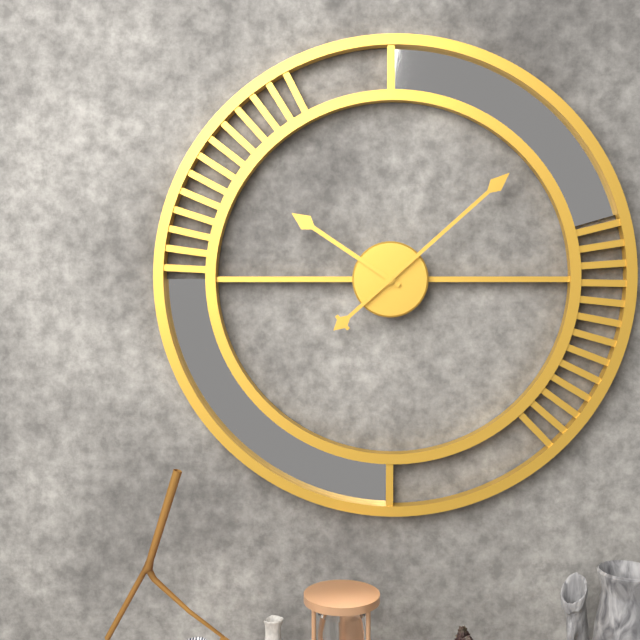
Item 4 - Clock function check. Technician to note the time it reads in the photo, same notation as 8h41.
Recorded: 10h08
